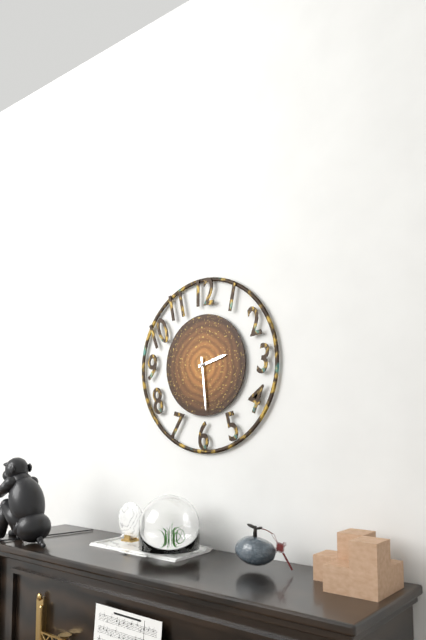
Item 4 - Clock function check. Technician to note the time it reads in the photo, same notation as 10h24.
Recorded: 2h29
